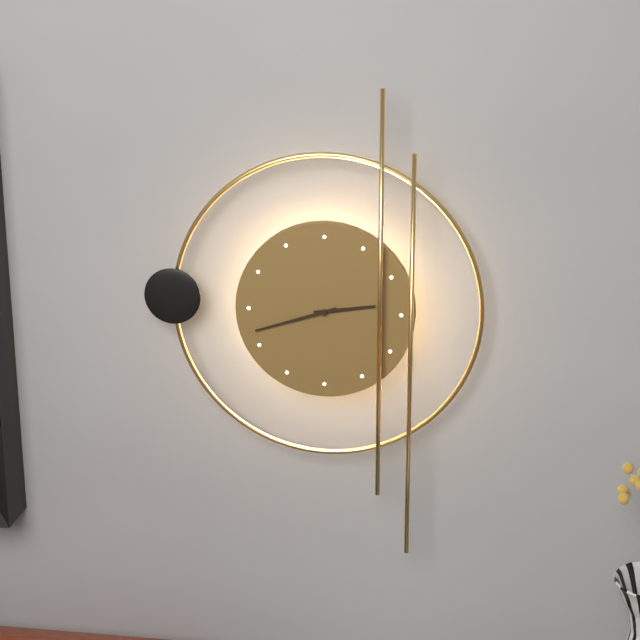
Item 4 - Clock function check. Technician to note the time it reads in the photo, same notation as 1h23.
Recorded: 2h42
